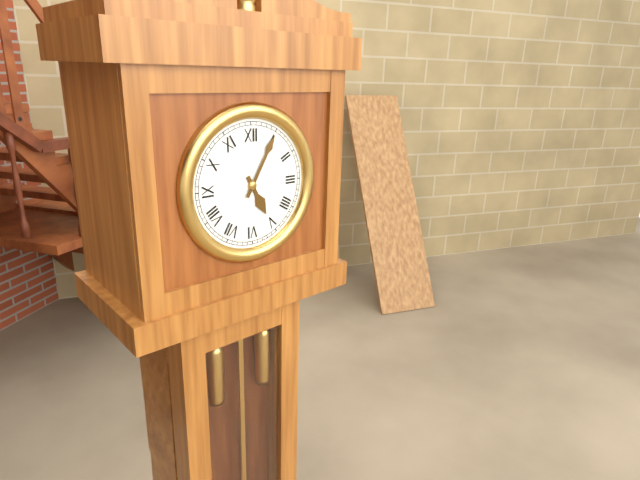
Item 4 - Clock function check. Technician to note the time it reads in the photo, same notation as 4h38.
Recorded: 5h05
